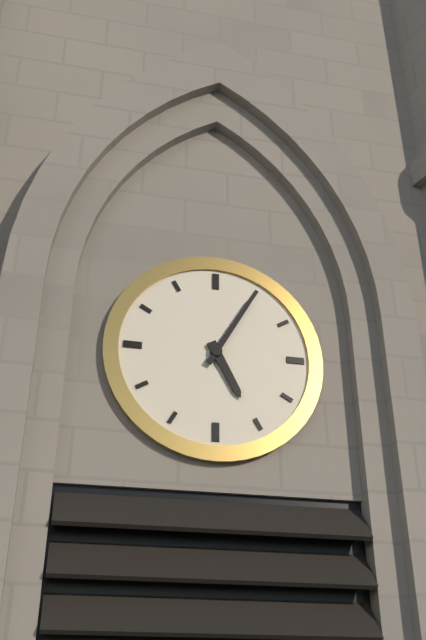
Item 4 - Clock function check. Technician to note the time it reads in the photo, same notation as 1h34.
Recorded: 5h05
